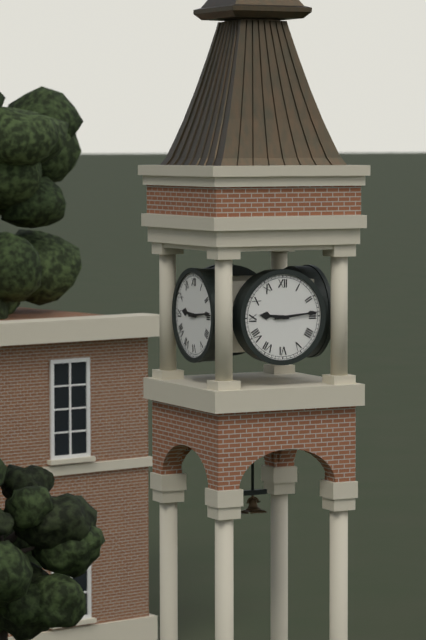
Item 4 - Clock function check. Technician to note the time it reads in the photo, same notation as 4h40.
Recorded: 9h14
